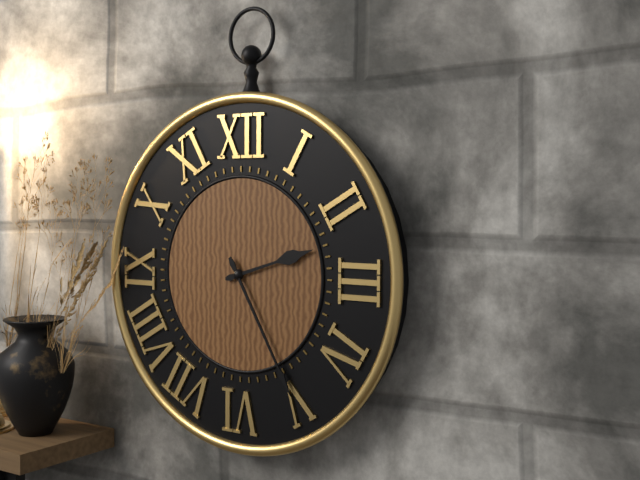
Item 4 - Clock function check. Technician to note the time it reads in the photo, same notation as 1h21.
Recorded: 2h25
